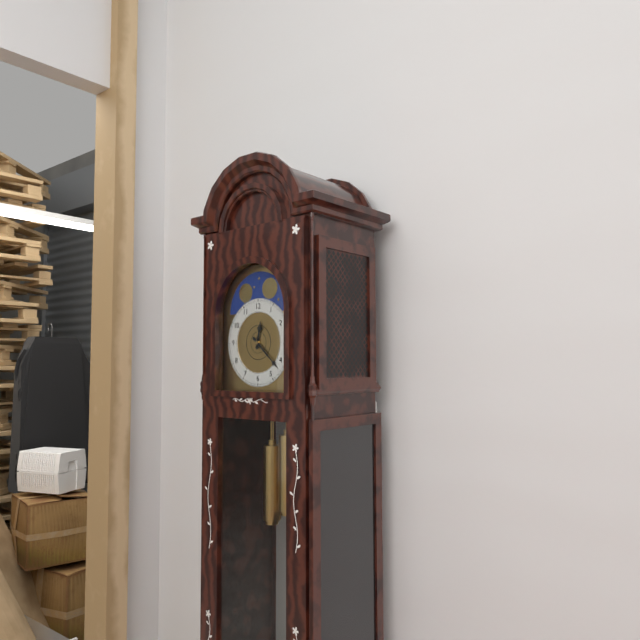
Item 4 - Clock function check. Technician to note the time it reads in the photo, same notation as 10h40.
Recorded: 12h22
